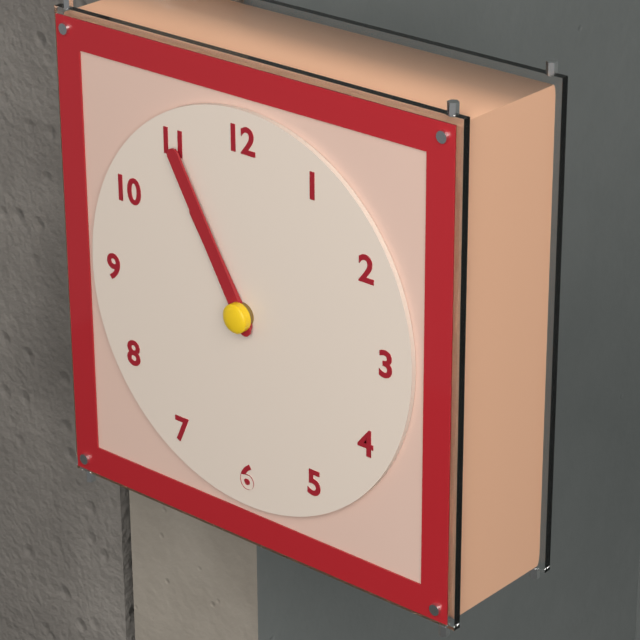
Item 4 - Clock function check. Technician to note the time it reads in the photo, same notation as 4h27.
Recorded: 10h55
